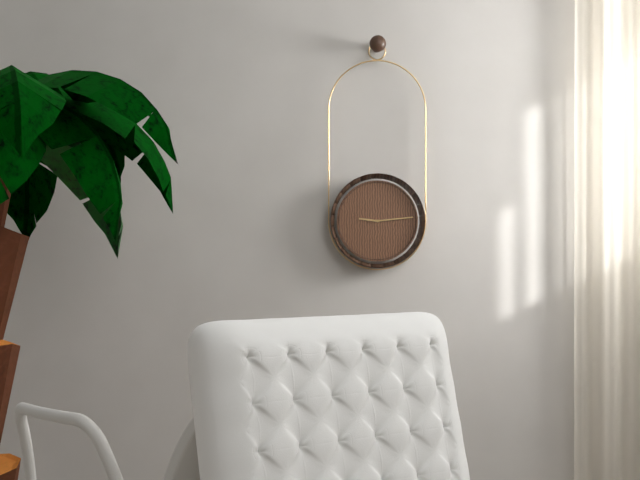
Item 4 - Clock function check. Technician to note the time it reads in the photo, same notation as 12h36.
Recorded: 9h14
